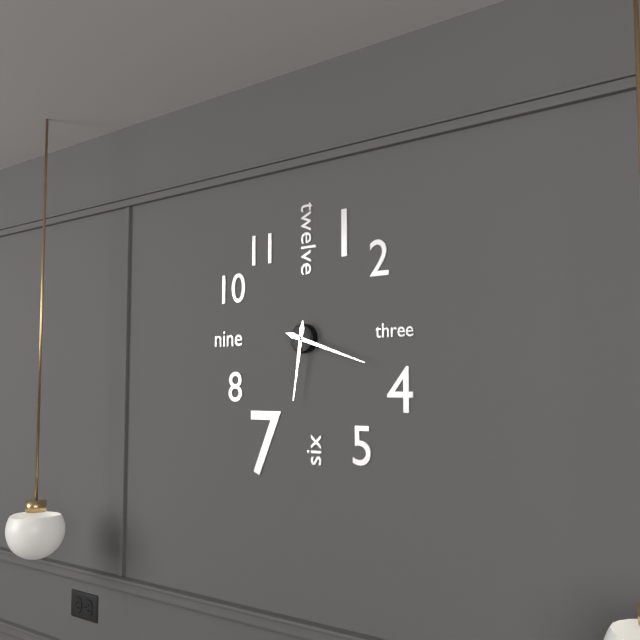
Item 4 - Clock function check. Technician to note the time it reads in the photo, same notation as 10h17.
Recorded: 6h18
